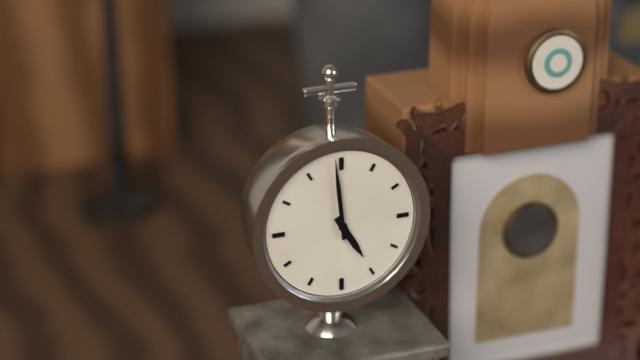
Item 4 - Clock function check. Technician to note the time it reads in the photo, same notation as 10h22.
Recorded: 4h59
